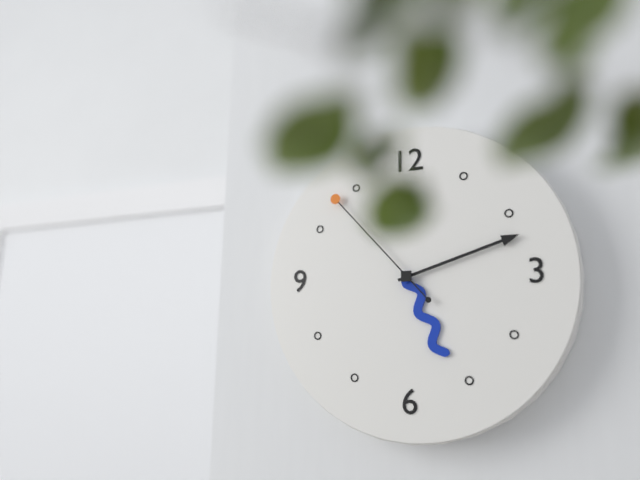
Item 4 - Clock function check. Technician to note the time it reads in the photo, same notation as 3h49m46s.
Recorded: 5h12m53s
